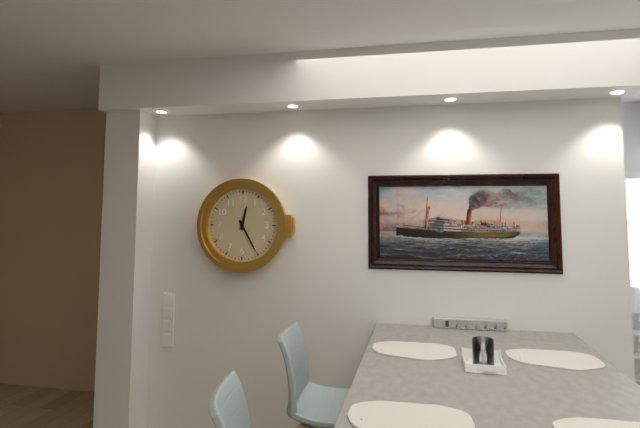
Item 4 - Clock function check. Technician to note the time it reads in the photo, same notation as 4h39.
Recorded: 12h25
